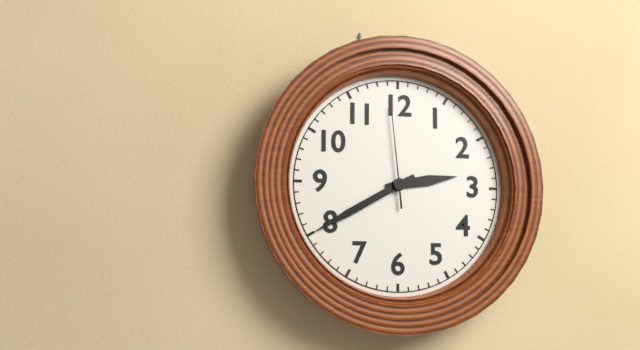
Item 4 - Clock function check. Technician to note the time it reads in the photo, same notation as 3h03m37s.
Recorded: 2h40m59s
